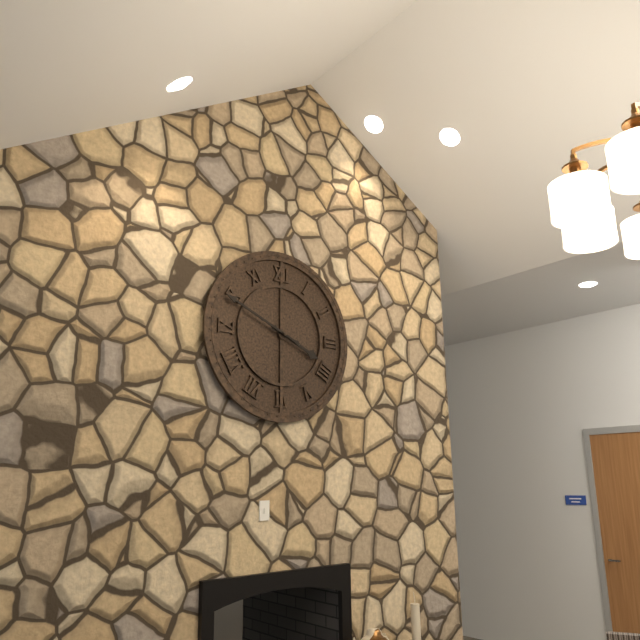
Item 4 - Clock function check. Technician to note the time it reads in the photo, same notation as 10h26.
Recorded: 3h49
